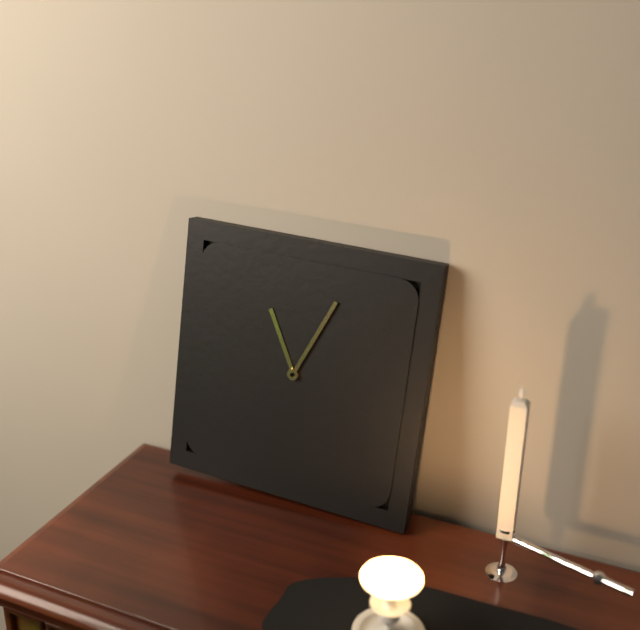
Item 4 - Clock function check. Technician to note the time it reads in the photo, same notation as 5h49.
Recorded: 11h04
